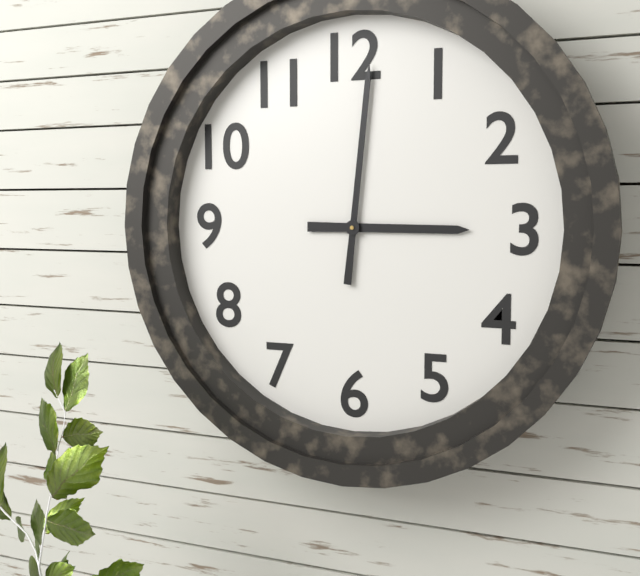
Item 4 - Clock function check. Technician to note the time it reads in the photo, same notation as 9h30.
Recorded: 3h01
